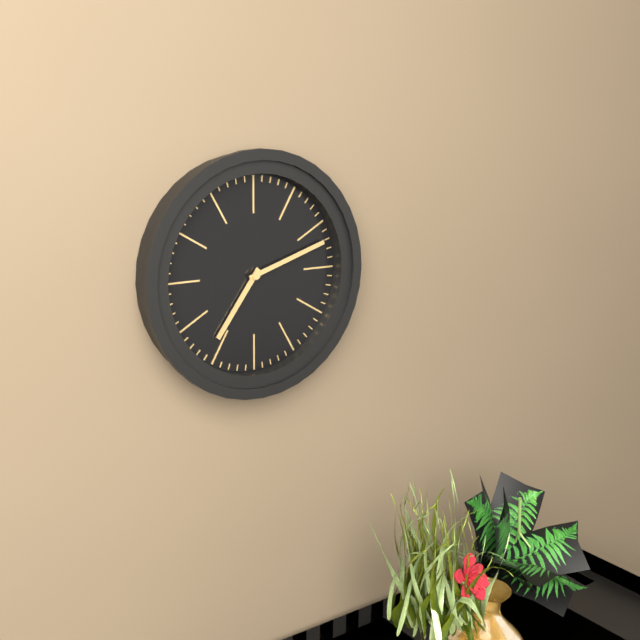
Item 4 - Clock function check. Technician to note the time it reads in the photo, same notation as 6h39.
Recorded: 7h12
